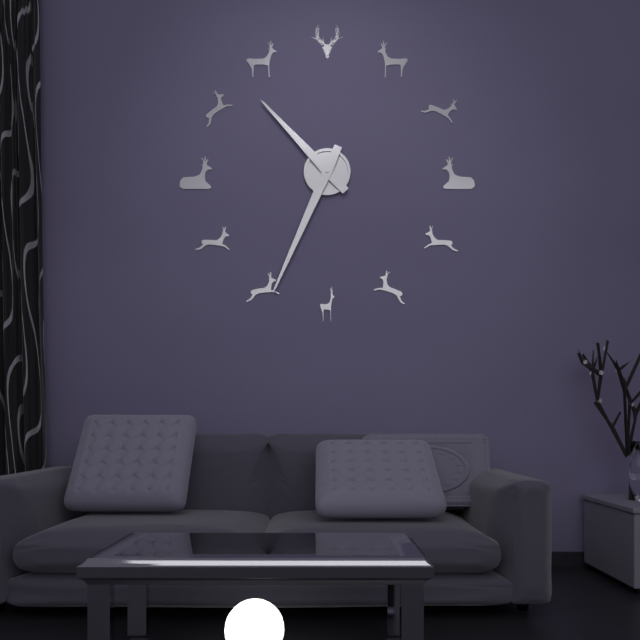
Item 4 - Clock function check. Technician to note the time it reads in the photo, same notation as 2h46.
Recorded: 10h34
